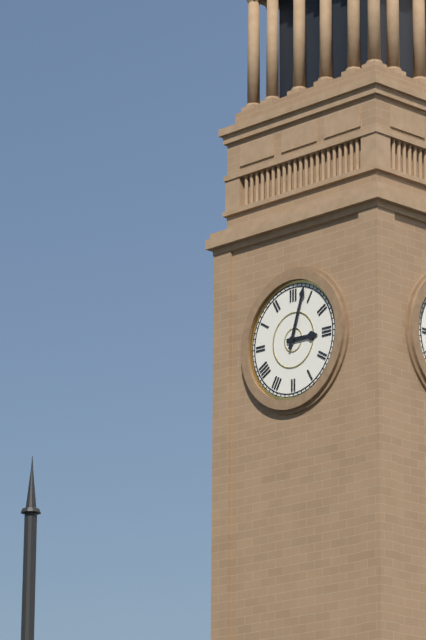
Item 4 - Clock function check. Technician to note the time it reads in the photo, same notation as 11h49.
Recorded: 3h03
